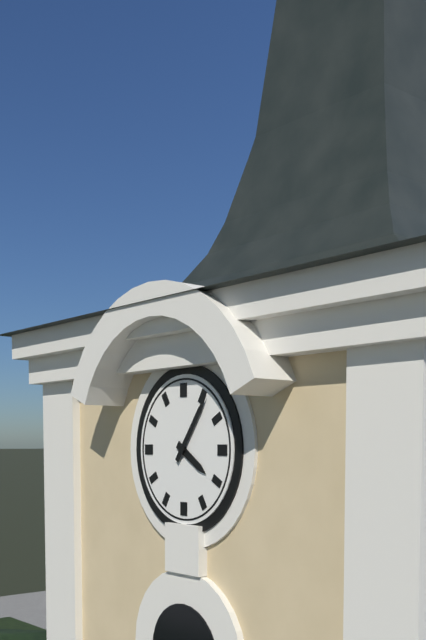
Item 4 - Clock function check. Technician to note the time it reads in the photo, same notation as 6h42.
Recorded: 4h06
